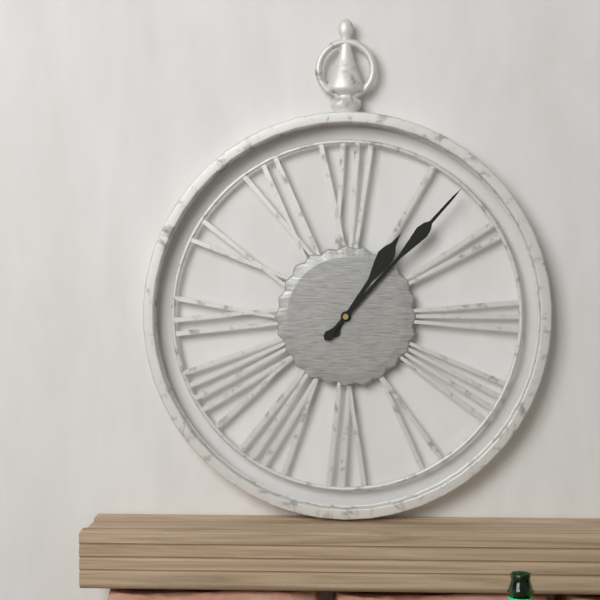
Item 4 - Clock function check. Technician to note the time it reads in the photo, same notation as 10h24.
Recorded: 1h07
